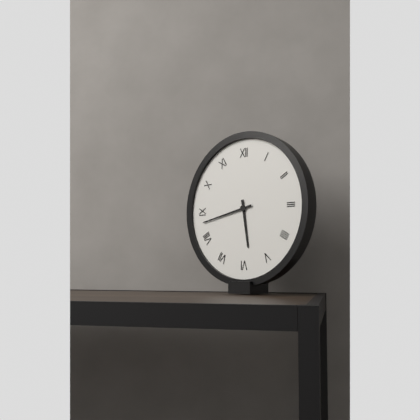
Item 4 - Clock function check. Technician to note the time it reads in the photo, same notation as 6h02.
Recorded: 5h43
